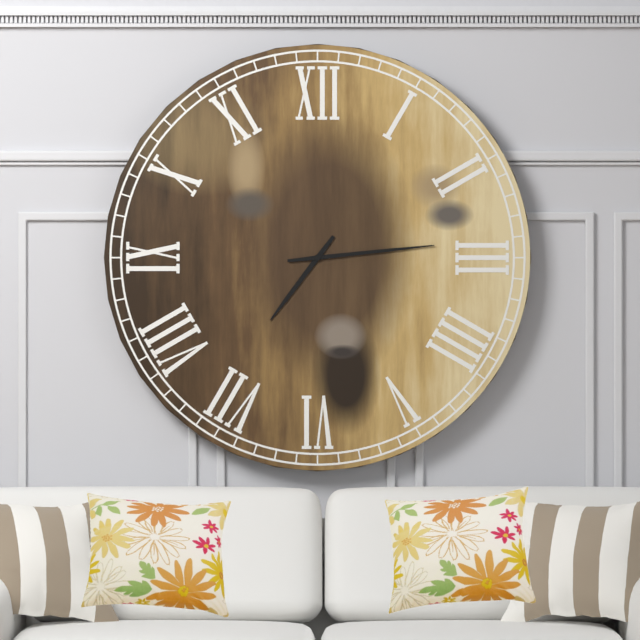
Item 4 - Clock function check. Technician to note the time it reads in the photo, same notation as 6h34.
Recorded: 7h14
